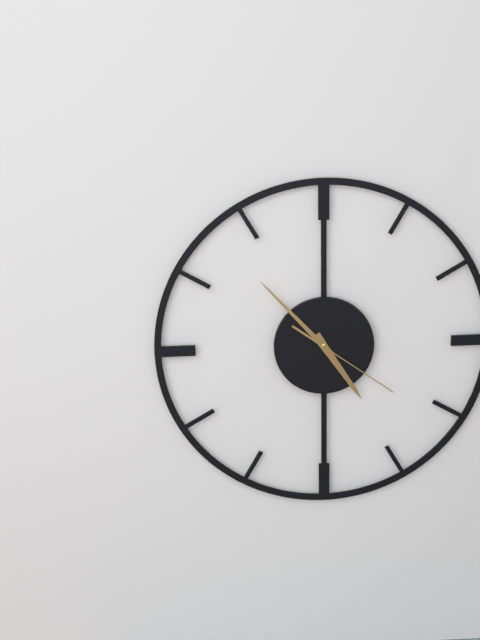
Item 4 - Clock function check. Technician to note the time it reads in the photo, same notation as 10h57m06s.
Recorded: 4h53m21s
